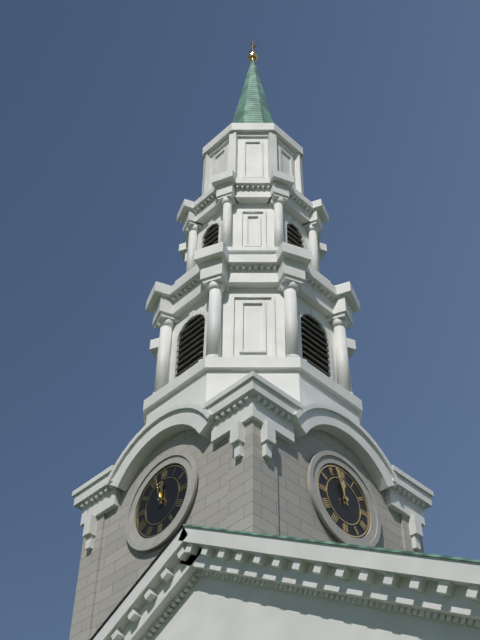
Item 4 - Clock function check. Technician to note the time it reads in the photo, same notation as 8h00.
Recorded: 11h57
